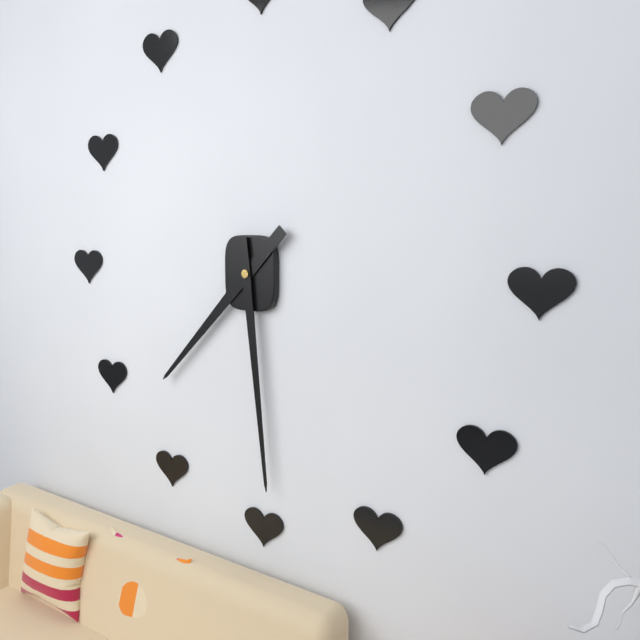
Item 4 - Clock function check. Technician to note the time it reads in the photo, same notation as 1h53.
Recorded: 7h29
